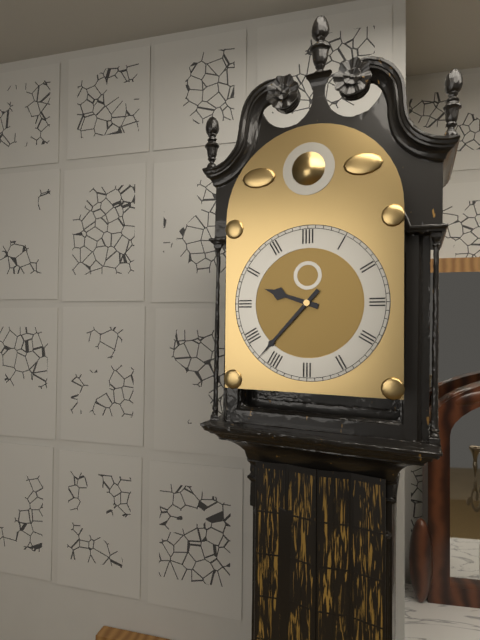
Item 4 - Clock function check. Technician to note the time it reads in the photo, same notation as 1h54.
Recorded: 9h37
